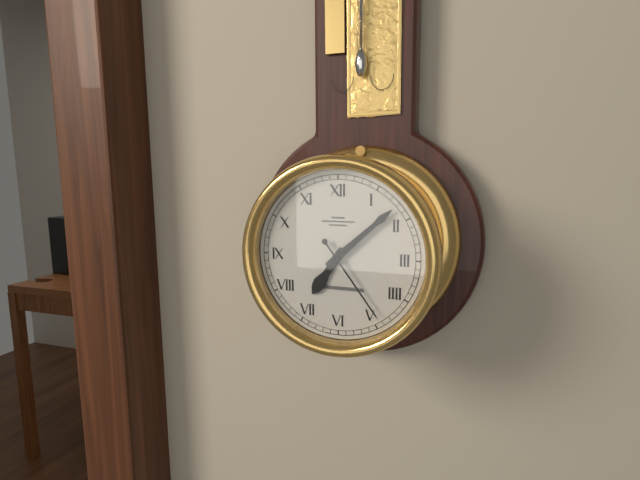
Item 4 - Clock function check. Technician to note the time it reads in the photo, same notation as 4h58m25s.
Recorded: 7h08m24s
